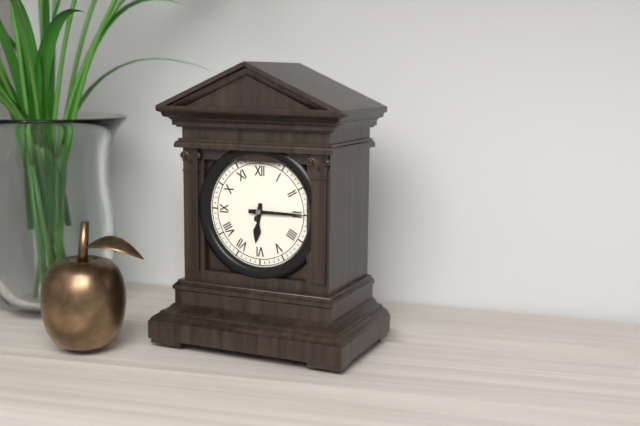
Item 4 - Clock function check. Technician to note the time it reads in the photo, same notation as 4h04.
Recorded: 6h15
